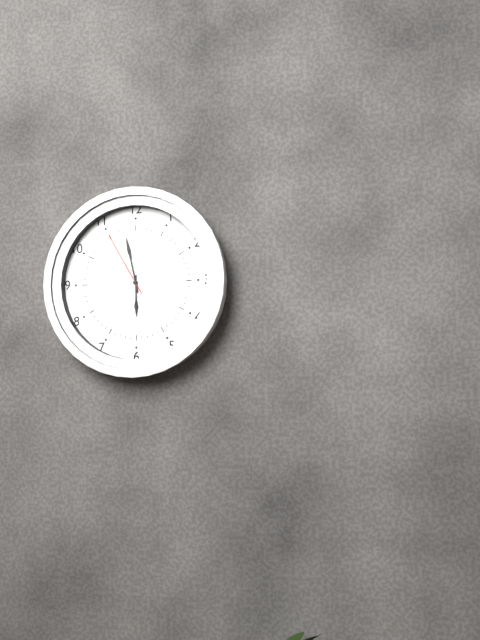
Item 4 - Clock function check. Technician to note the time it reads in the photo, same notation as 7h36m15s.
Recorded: 5h58m55s
